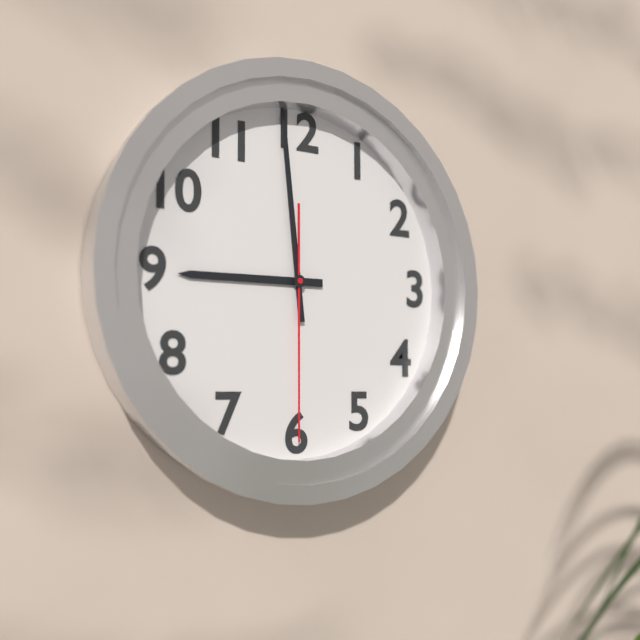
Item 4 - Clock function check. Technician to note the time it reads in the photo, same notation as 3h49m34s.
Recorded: 8h59m30s
